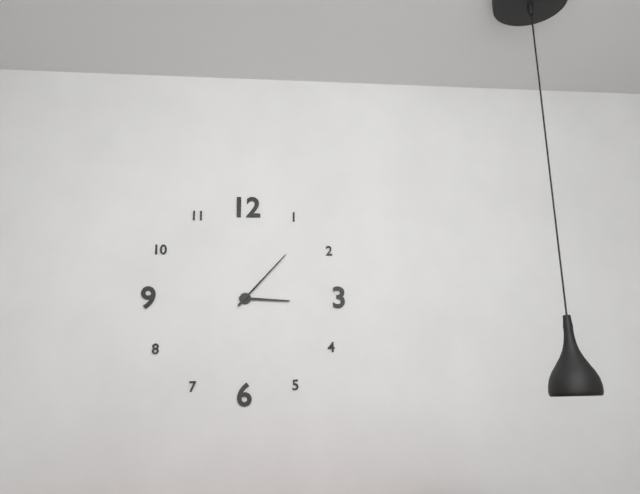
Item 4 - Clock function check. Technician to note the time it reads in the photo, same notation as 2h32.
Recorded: 3h07
